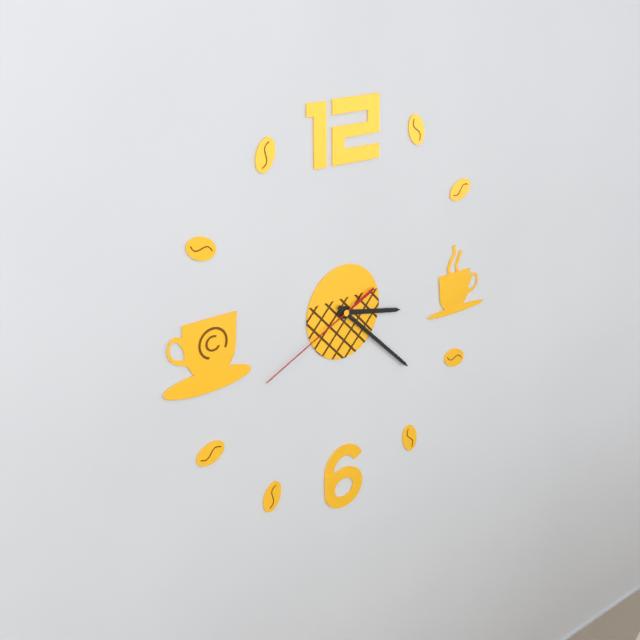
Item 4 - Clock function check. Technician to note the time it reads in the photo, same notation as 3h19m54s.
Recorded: 3h22m41s
